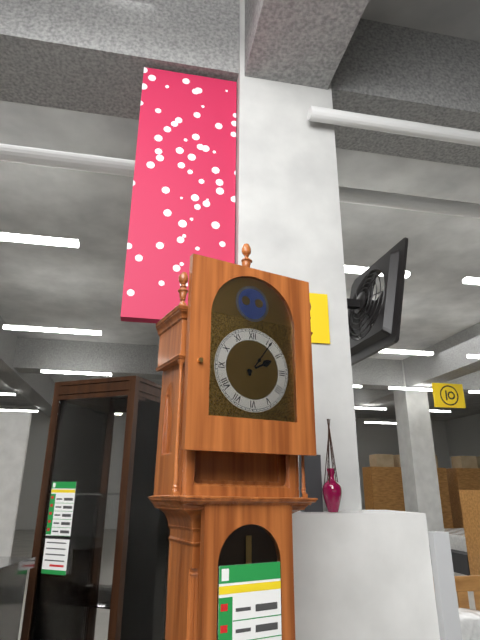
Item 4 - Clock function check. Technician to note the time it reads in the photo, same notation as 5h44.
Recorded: 2h06
